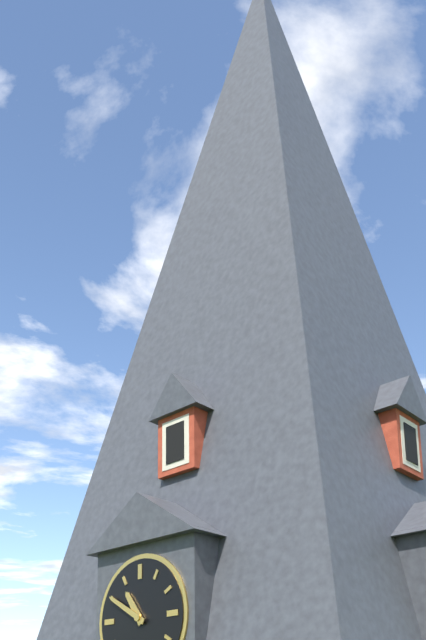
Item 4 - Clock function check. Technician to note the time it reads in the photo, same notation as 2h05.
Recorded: 10h50
